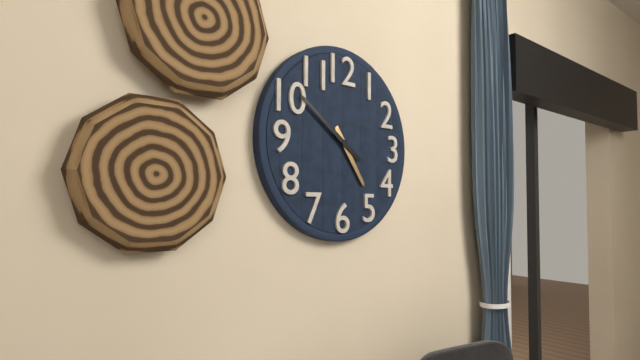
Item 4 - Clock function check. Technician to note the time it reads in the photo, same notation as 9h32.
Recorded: 4h51
